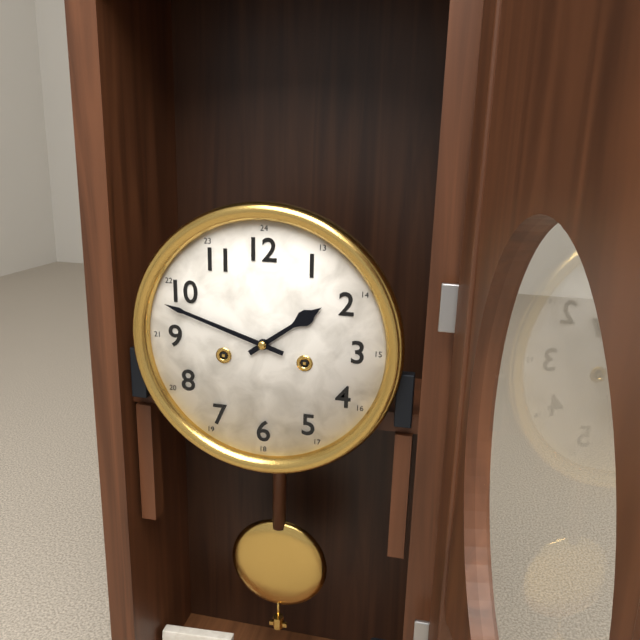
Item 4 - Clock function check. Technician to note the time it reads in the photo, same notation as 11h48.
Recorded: 1h48
